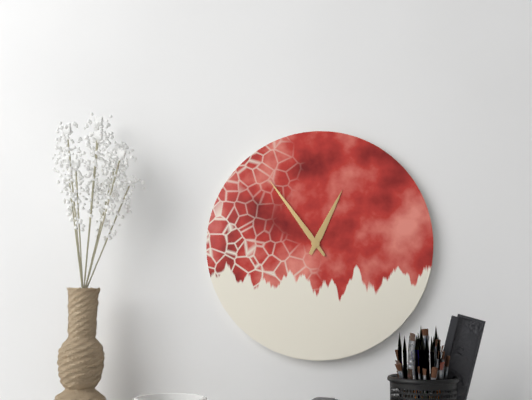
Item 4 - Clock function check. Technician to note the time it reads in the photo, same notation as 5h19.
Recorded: 12h54
